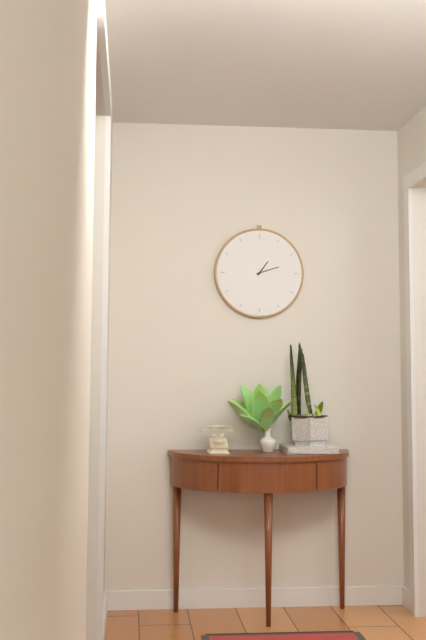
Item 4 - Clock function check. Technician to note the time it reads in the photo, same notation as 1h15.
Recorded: 1h12
